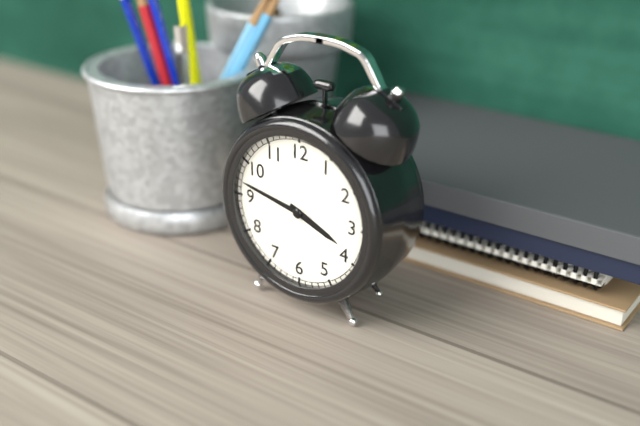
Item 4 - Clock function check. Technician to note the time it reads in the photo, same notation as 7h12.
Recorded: 3h47
